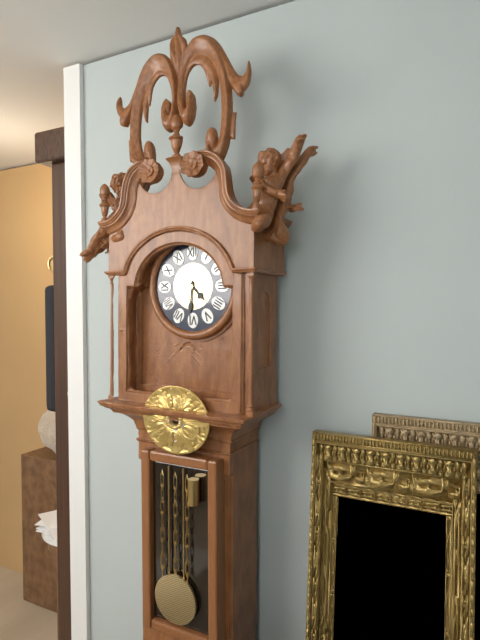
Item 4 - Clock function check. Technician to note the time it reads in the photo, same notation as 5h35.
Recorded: 4h31
